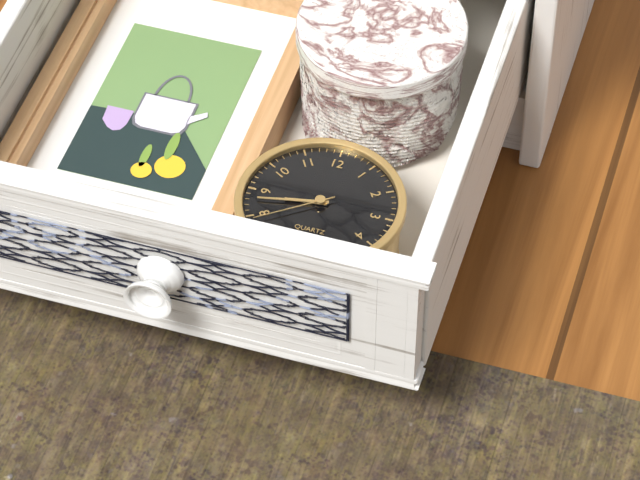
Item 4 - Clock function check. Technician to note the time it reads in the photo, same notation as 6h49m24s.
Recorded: 8h43m39s
